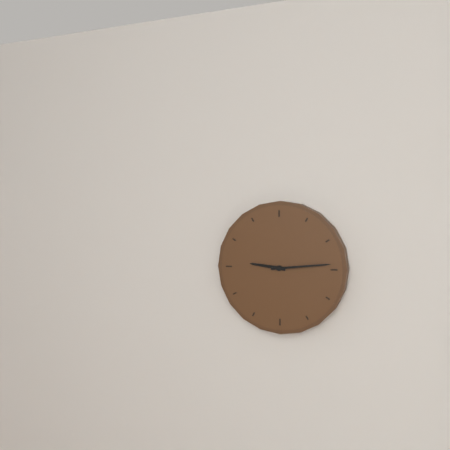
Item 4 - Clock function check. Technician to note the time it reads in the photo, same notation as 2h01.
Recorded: 9h14
